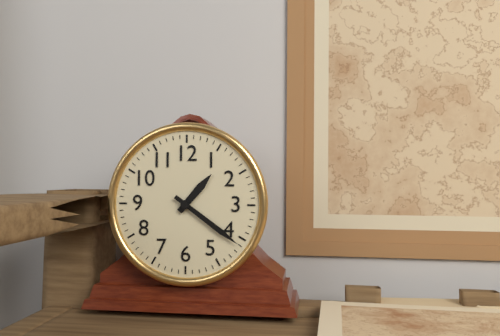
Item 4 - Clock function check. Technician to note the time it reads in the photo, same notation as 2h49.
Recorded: 1h21
